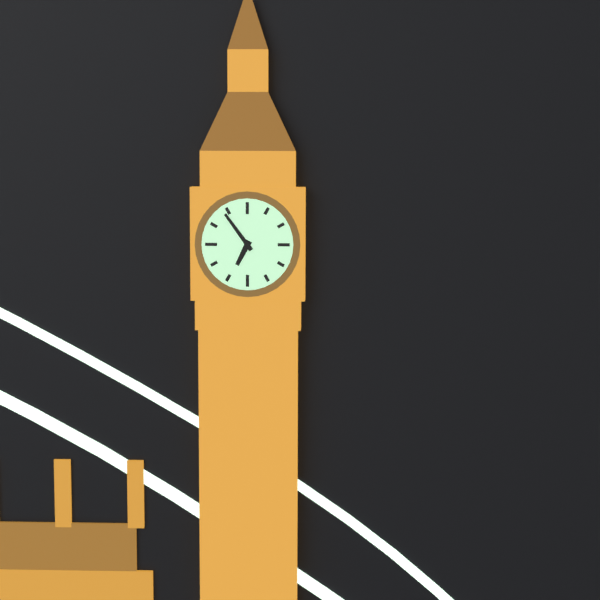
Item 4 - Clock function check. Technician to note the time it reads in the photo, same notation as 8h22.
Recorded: 6h54
